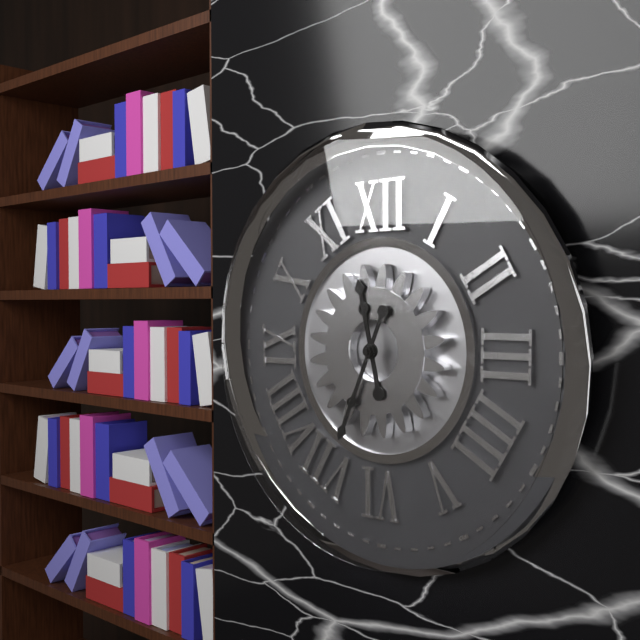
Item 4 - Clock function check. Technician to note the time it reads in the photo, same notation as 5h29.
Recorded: 11h34
